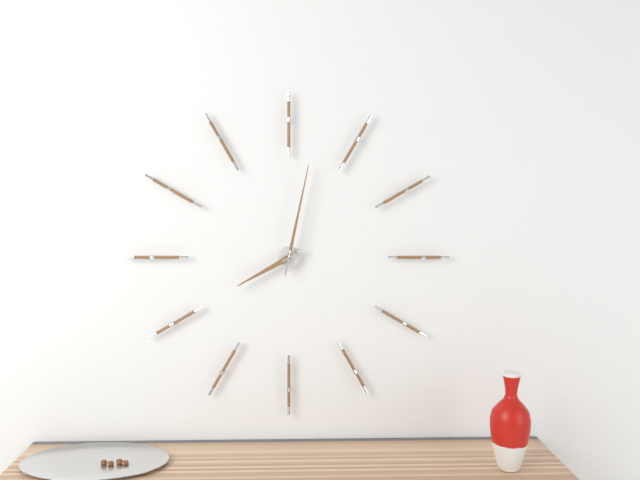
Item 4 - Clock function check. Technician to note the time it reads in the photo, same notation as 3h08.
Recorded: 8h02
